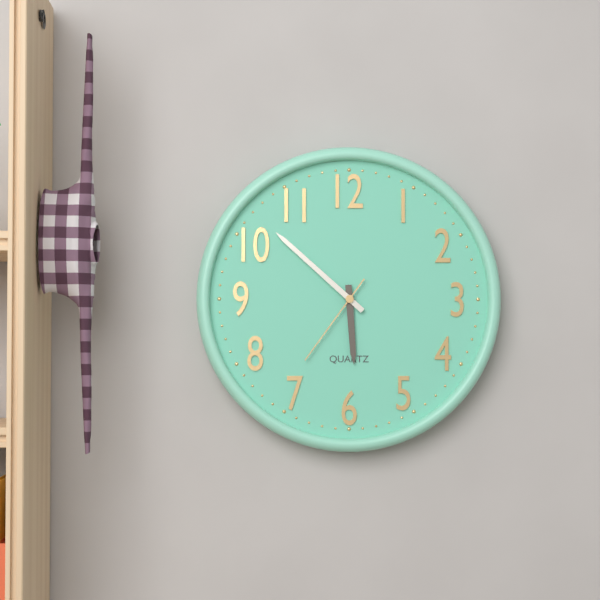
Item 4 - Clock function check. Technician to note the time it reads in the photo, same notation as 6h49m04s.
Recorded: 5h52m36s
